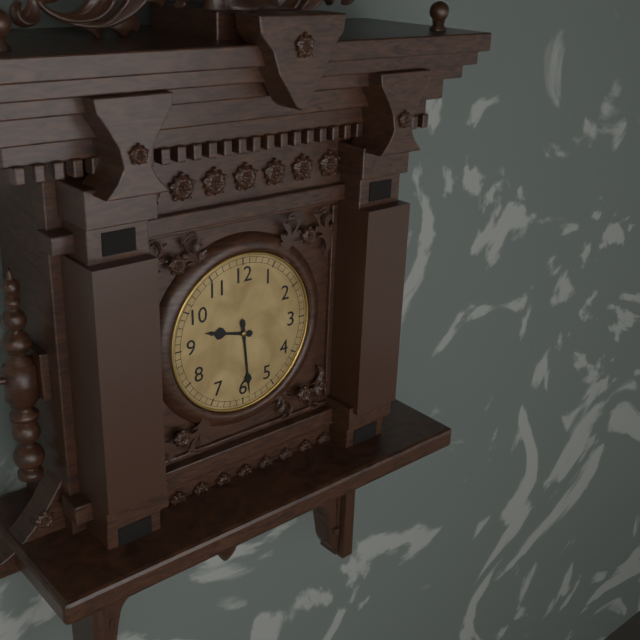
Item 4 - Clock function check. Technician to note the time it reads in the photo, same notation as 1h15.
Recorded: 9h29
